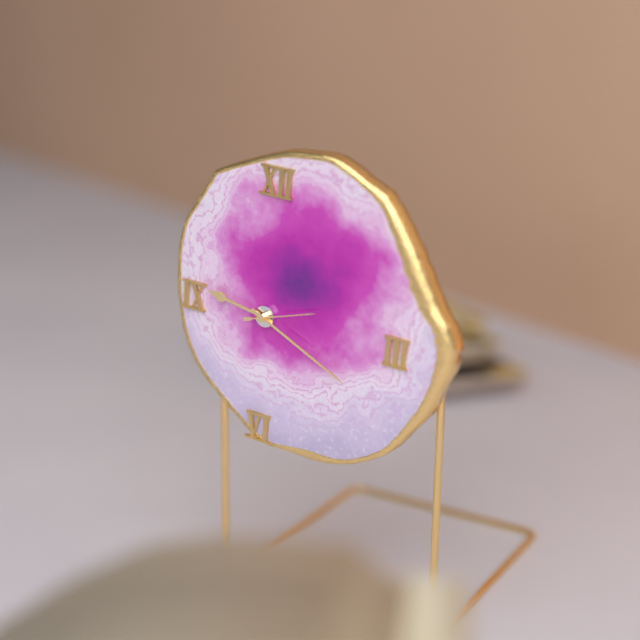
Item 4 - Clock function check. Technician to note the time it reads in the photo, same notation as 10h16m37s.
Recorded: 9h19m12s
